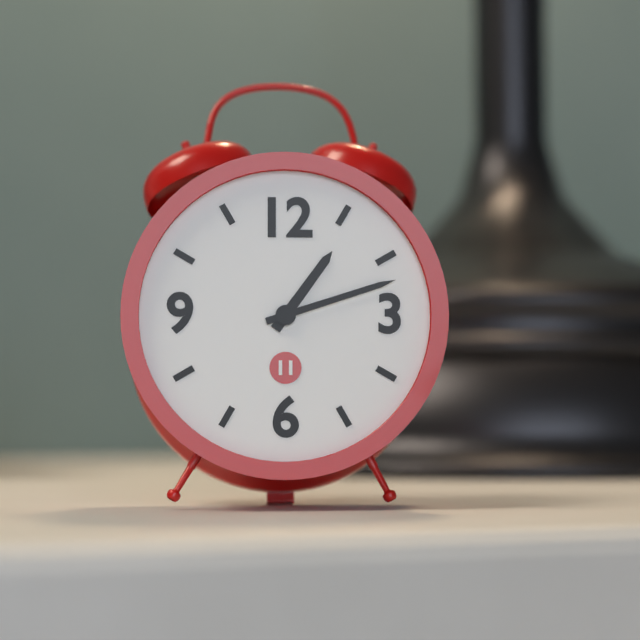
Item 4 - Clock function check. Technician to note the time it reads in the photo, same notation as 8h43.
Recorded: 1h12
